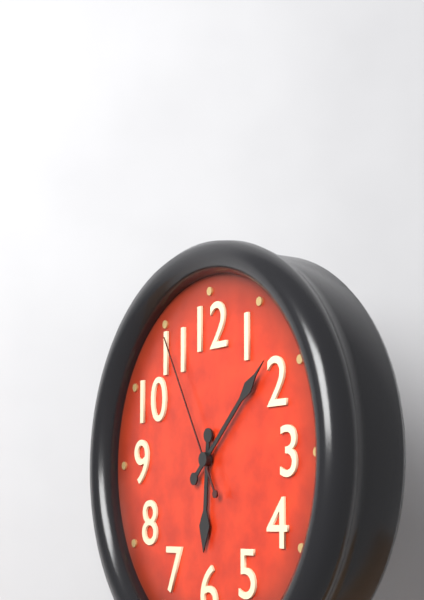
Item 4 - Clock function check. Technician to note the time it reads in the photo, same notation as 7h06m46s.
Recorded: 6h08m55s
